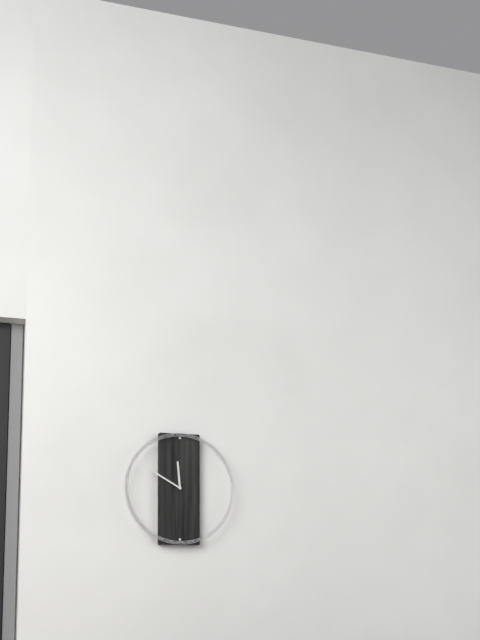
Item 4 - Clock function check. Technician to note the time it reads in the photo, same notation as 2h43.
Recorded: 11h50
